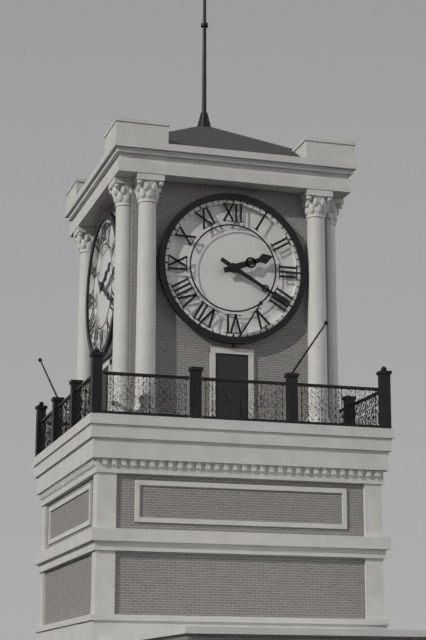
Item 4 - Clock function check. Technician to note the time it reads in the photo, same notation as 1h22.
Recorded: 2h20
